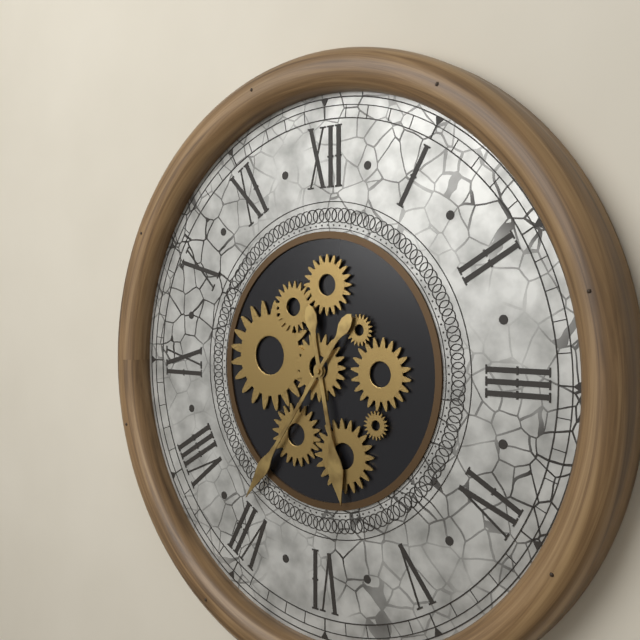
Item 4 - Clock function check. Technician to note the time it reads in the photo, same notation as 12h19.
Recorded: 5h36
